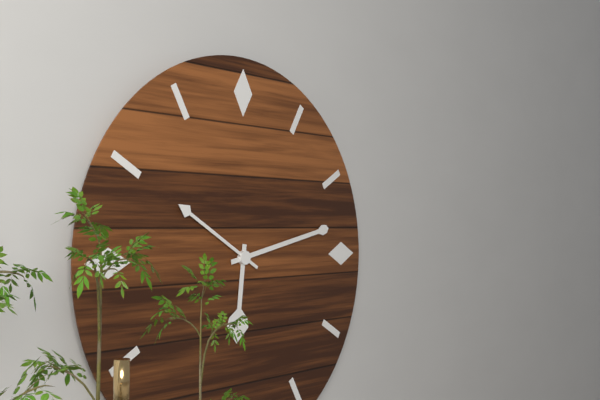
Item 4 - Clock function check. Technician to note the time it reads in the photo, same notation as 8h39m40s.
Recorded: 6h13m50s
